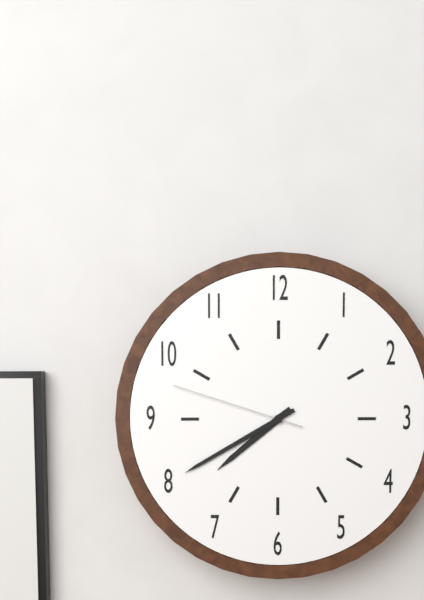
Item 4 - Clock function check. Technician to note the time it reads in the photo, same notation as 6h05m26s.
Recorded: 7h40m48s
